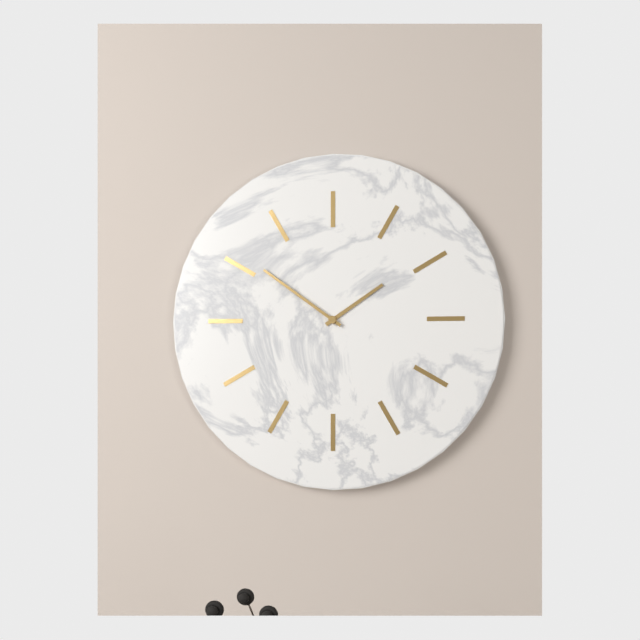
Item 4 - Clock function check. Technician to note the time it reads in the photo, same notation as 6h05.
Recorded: 1h51
